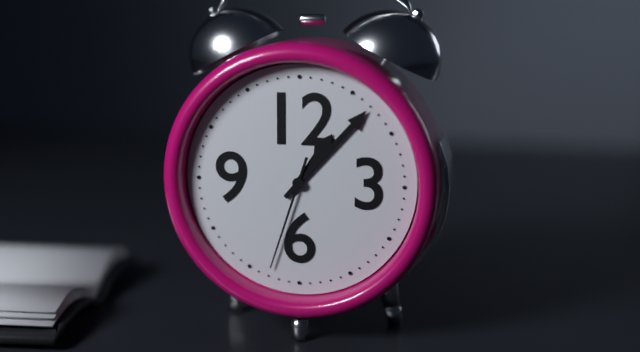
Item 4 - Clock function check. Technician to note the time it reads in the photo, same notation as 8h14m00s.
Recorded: 1h07m33s
